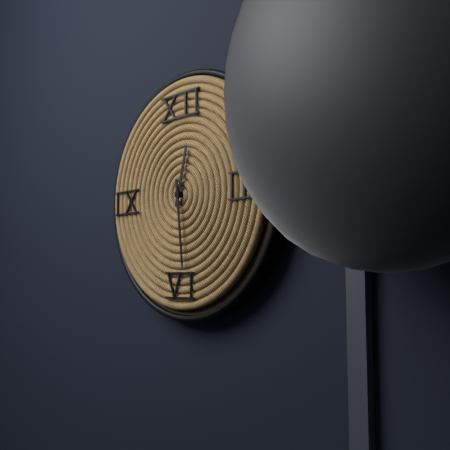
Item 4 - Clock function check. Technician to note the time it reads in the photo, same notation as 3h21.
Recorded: 12h29
